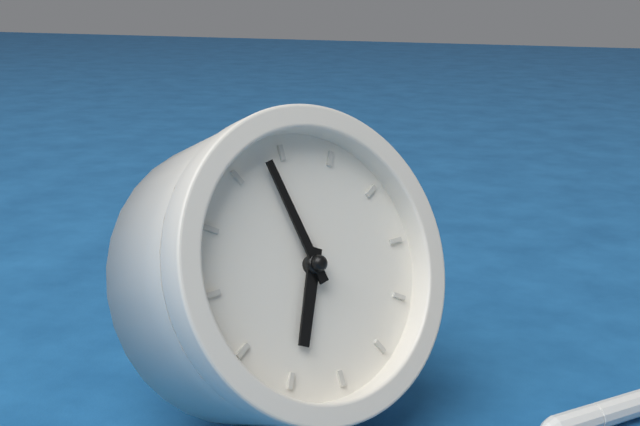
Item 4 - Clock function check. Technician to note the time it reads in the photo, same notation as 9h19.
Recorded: 5h53
